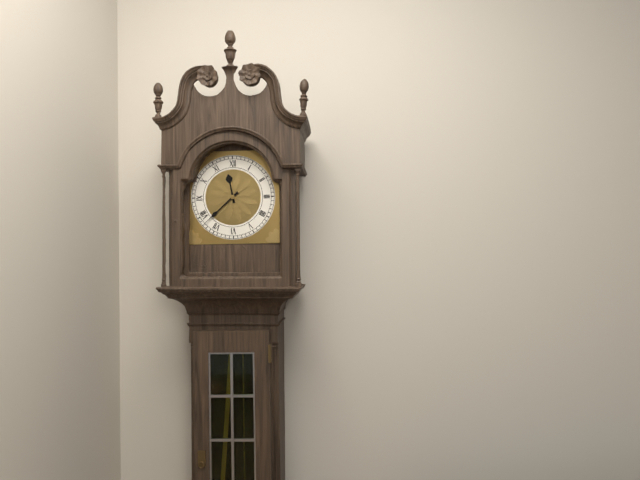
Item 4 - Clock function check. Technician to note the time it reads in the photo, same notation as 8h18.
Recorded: 11h38
